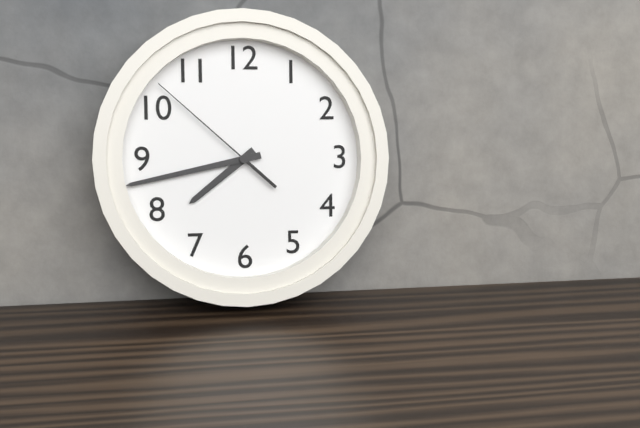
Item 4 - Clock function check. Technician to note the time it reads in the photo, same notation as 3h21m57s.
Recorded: 7h43m52s
